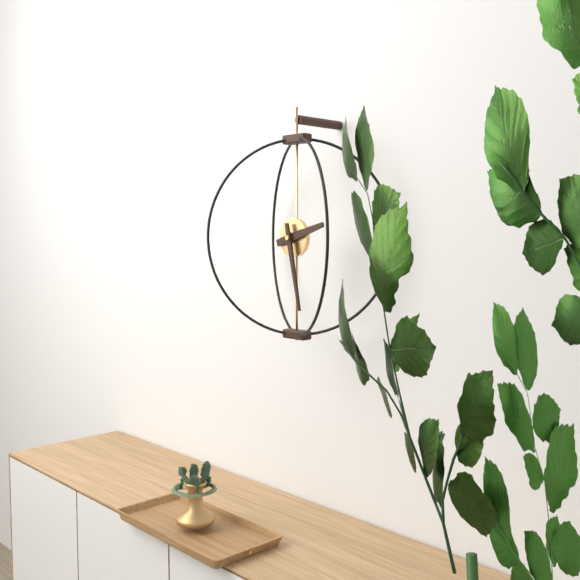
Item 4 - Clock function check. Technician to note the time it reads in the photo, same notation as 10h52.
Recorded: 2h28
